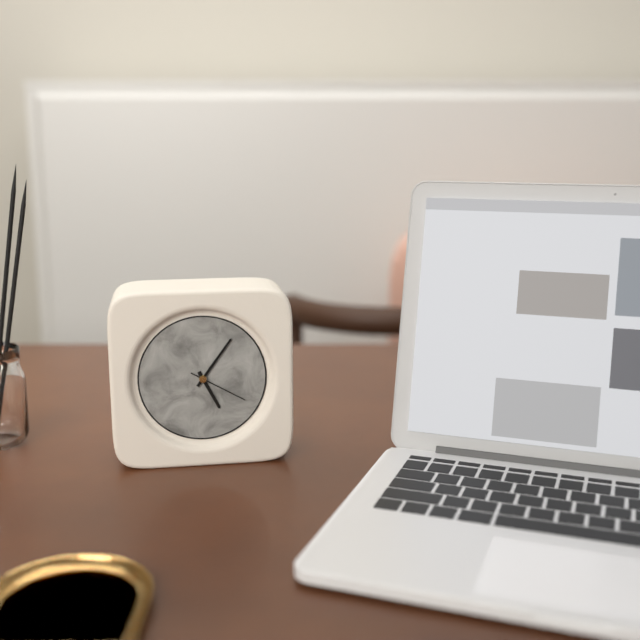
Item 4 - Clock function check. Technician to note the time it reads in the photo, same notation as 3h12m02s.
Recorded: 5h06m20s
